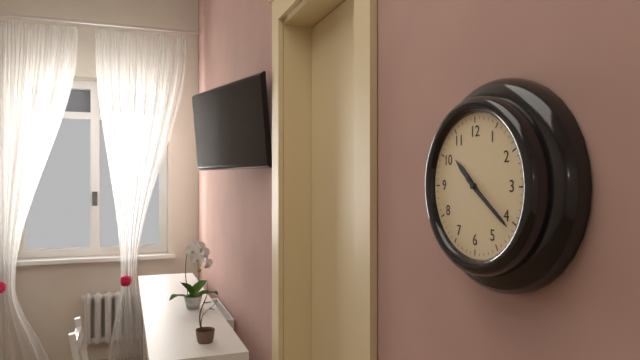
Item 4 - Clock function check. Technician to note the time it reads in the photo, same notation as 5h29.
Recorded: 10h21
